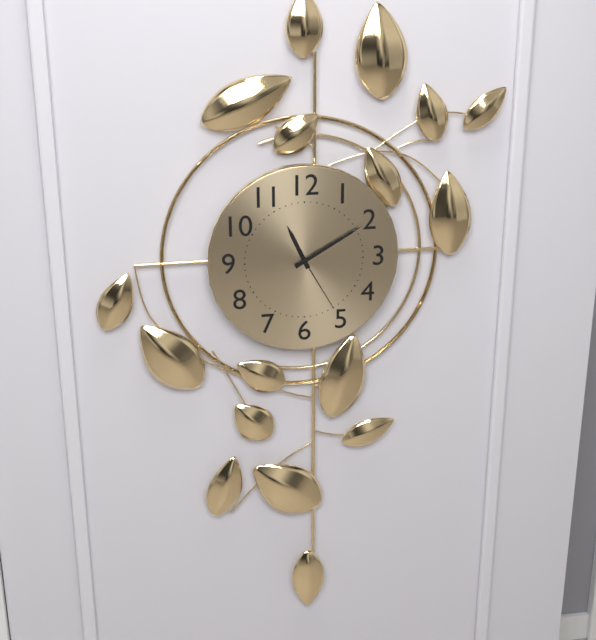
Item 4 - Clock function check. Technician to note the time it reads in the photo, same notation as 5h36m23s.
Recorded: 11h10m25s
